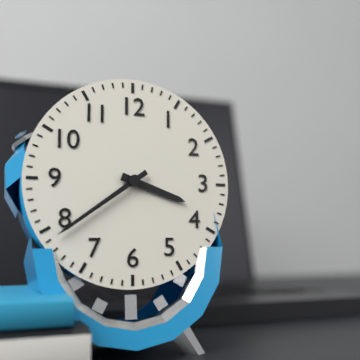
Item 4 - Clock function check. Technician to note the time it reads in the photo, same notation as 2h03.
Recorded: 3h39
